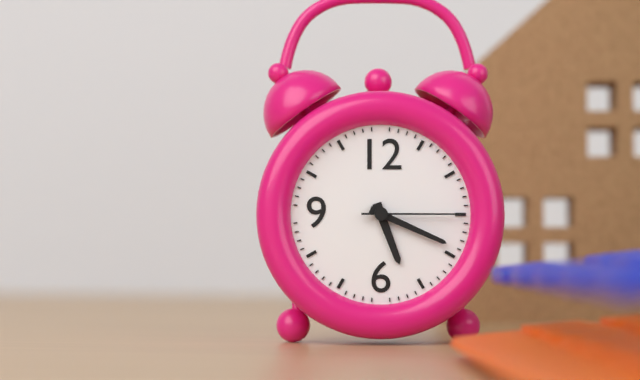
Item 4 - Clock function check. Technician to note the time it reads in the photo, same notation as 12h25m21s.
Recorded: 5h19m15s
